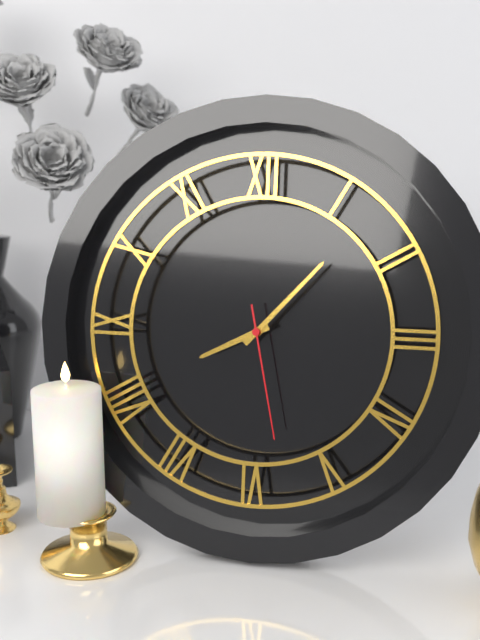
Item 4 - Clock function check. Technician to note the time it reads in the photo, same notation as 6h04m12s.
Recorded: 8h07m28s
